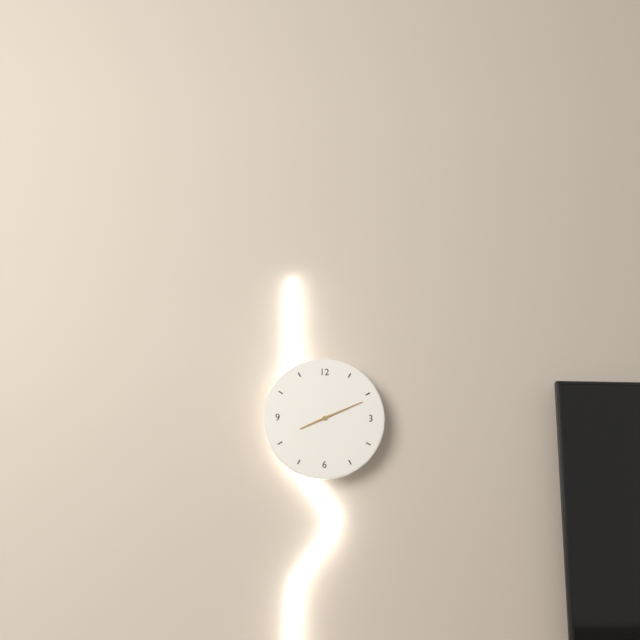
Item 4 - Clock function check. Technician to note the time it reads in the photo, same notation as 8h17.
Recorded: 8h11
